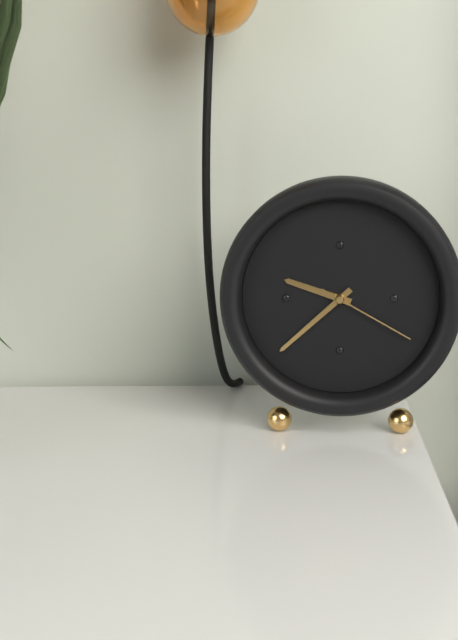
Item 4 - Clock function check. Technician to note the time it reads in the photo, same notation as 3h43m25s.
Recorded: 9h38m20s
